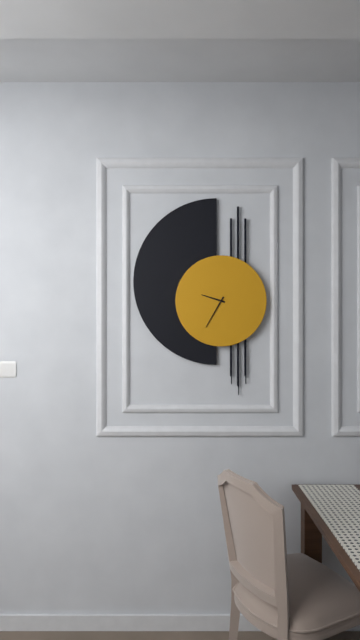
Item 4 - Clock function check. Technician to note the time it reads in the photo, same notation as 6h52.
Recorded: 9h35
